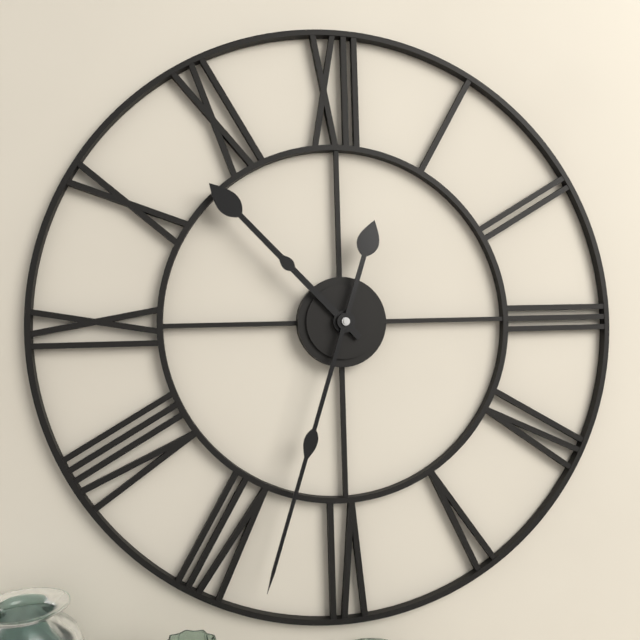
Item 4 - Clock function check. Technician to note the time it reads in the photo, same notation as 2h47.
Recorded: 10h33
